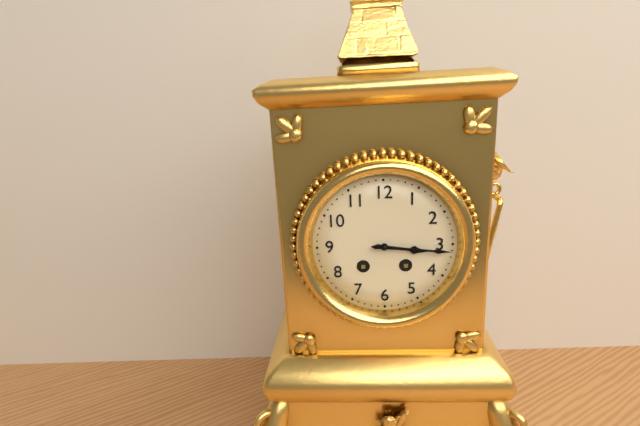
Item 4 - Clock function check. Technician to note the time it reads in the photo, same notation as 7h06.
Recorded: 3h16
